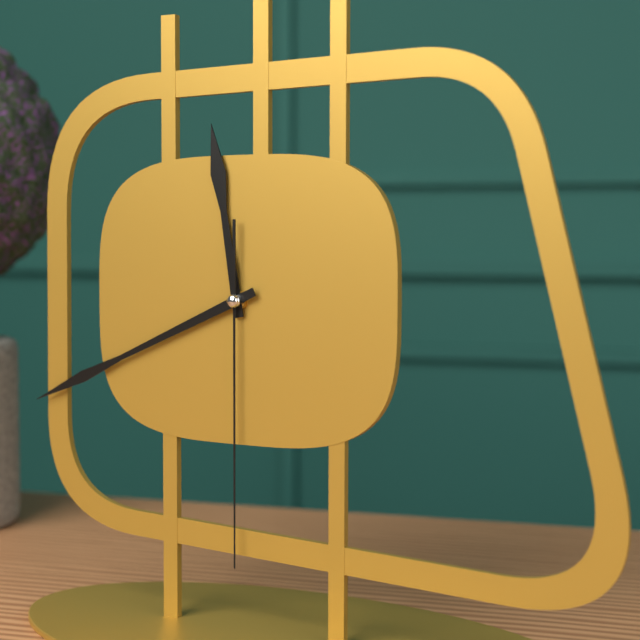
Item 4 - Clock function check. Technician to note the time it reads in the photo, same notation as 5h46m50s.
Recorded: 11h41m30s
